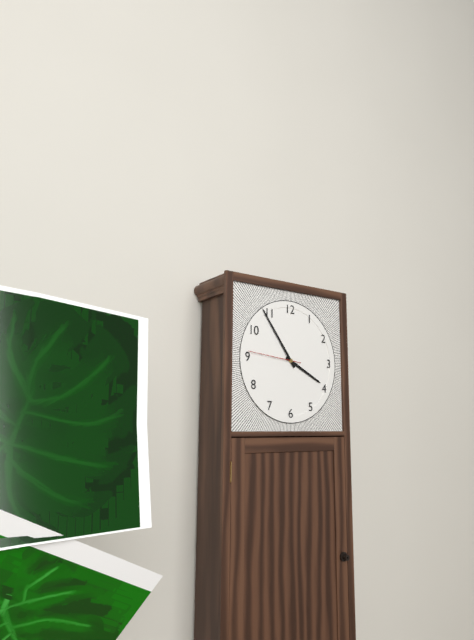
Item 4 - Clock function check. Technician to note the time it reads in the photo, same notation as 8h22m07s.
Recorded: 3h54m46s
